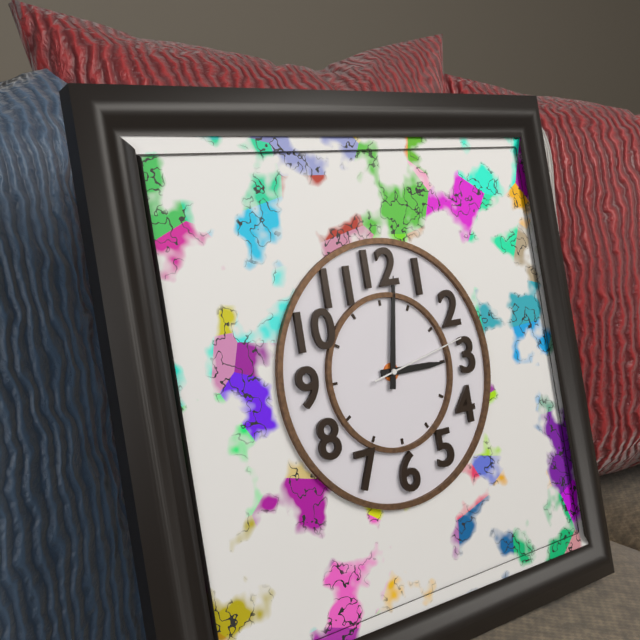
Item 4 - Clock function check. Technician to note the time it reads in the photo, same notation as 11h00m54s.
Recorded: 3h02m13s
